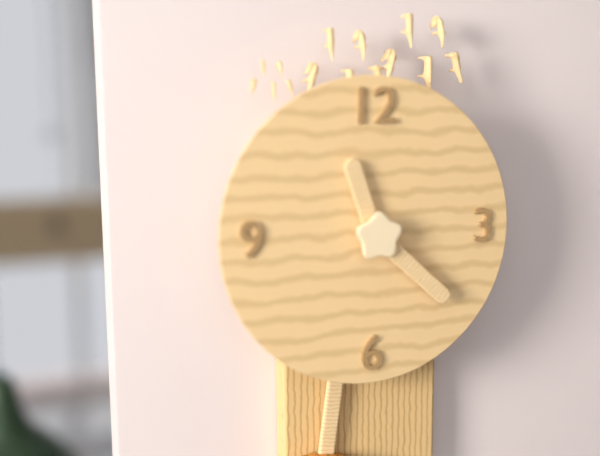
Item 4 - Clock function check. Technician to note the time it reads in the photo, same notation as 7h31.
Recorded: 11h22
